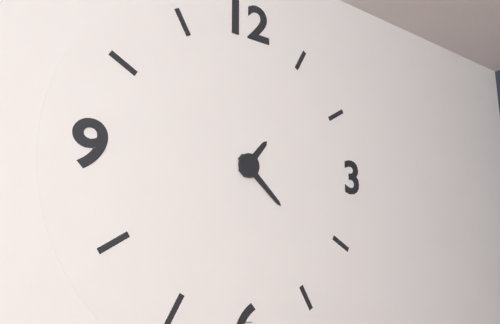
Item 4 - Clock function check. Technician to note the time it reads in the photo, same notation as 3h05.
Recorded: 1h22
